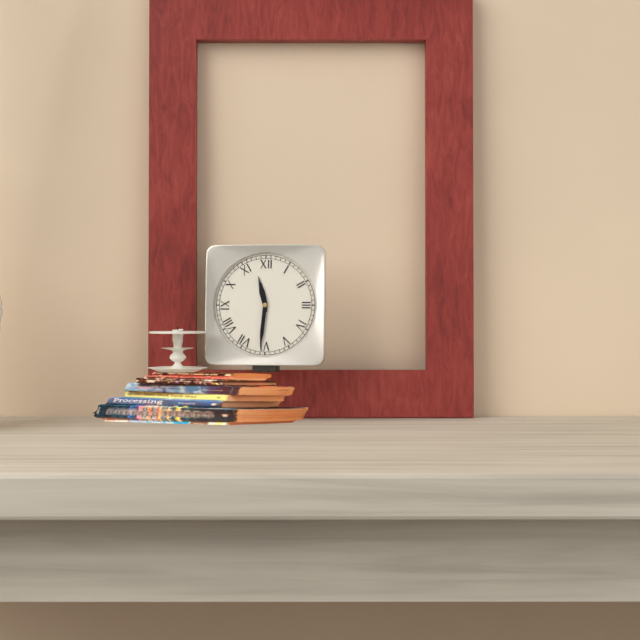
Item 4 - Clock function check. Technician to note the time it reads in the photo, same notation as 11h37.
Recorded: 11h31
